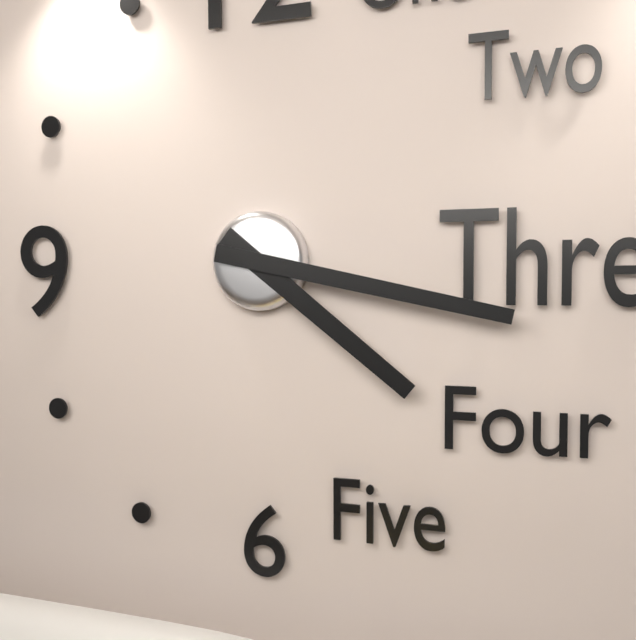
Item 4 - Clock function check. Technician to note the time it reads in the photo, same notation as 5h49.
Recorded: 4h17
